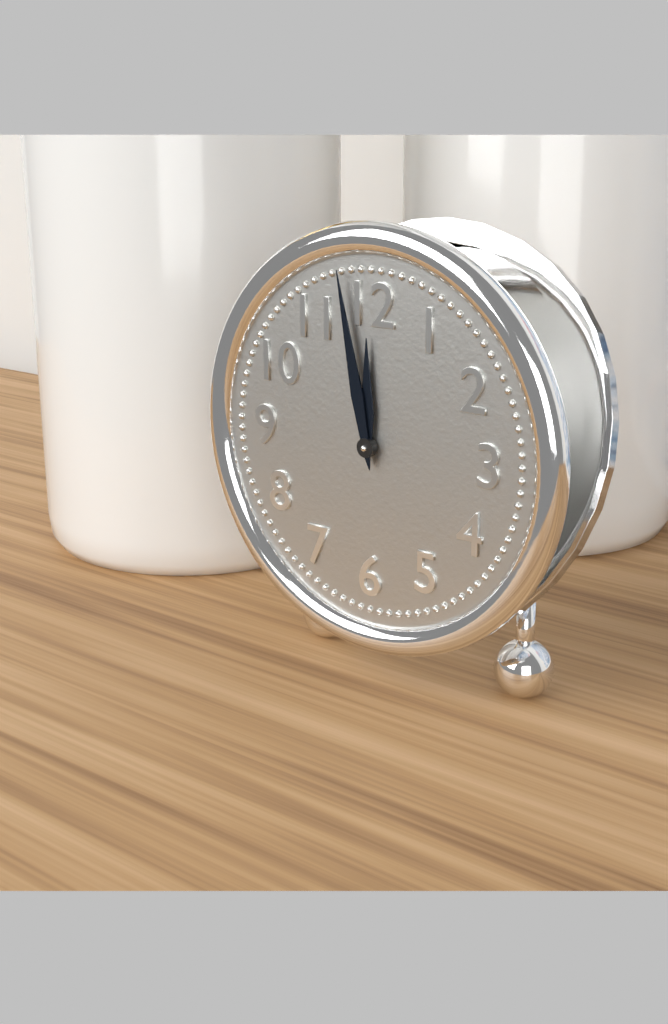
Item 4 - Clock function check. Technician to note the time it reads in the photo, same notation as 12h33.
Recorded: 11h58
